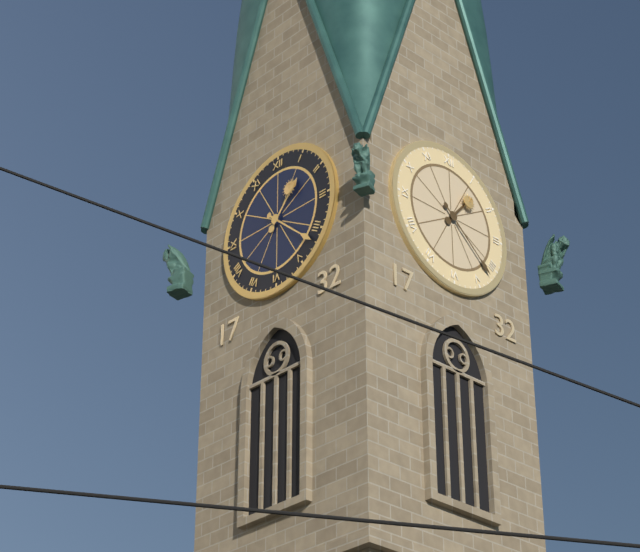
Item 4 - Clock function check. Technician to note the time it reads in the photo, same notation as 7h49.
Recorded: 1h22
